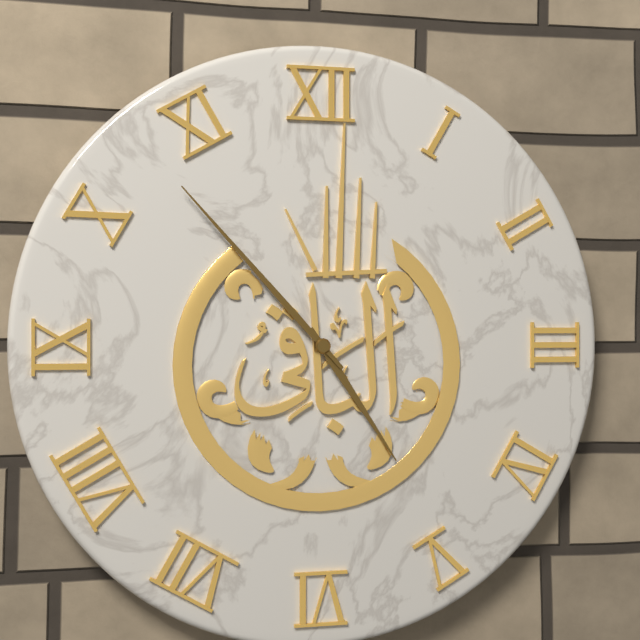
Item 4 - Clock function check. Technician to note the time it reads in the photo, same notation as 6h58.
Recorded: 4h53
